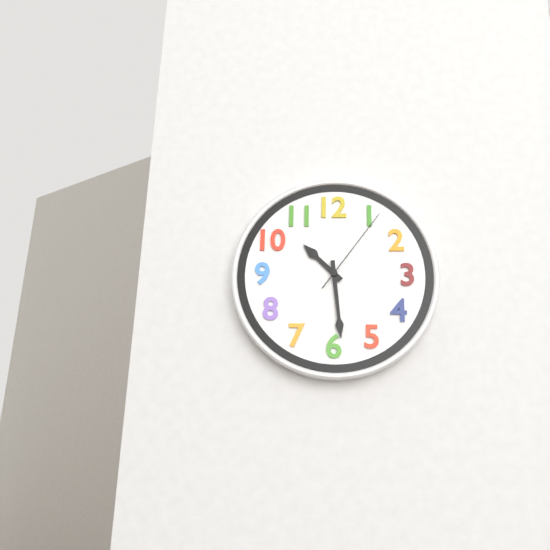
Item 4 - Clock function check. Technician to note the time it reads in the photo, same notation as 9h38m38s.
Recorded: 10h29m06s
